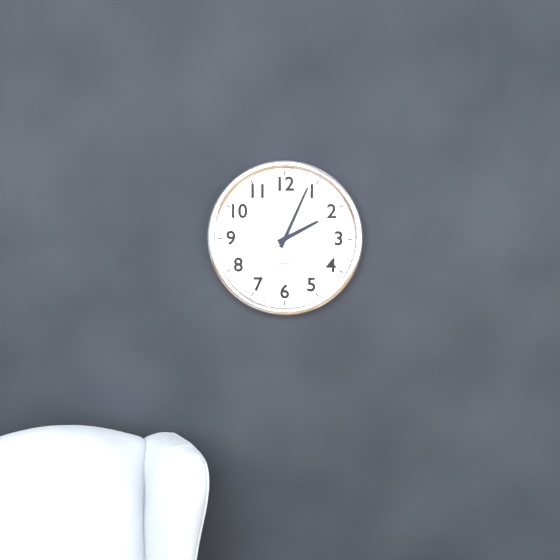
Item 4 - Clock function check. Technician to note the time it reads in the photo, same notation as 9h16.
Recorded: 2h04
